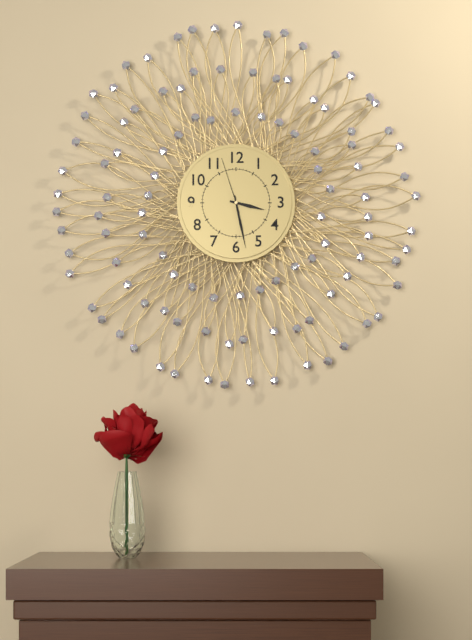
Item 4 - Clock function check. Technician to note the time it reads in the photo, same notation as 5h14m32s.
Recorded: 3h28m57s
